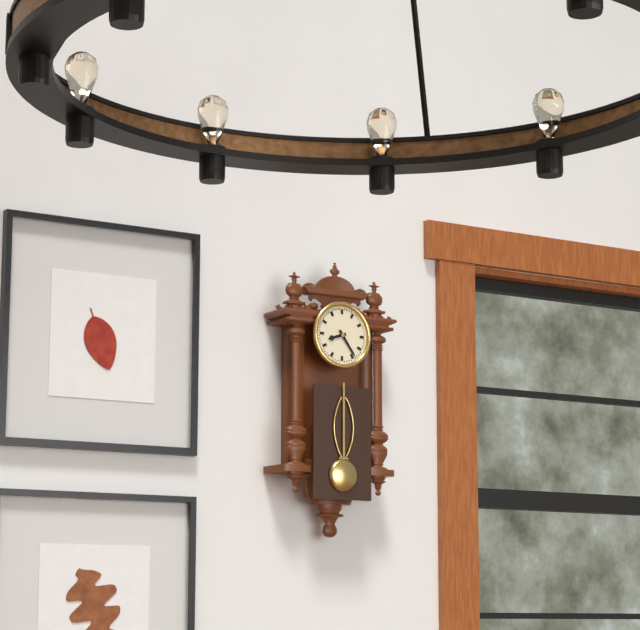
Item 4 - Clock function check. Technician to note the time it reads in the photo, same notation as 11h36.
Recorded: 8h24
